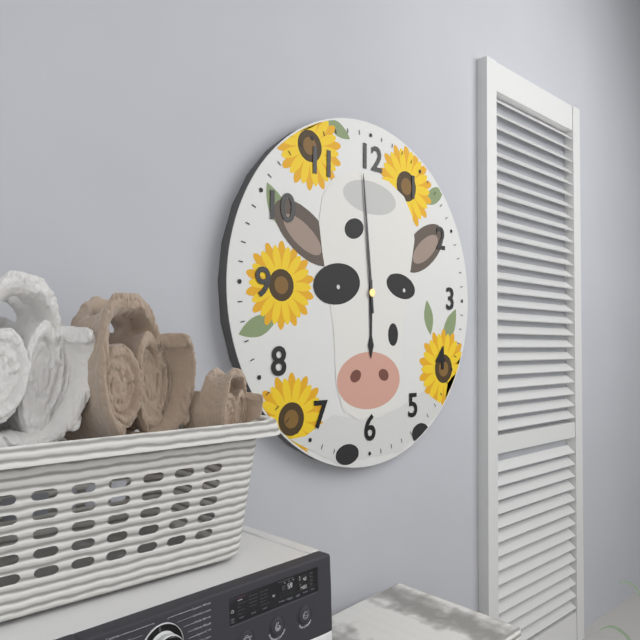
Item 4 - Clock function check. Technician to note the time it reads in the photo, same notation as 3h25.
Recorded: 5h59
